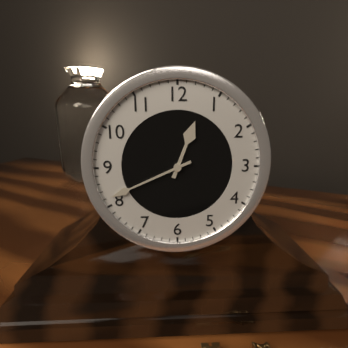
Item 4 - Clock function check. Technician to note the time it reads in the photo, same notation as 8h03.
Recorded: 12h41
